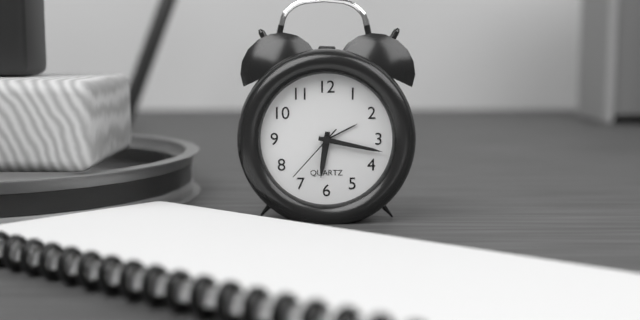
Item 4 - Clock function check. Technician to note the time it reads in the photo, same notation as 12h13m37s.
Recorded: 6h17m37s
